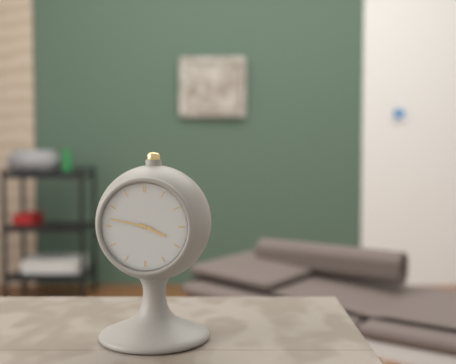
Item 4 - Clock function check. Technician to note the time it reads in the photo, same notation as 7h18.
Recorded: 3h47
